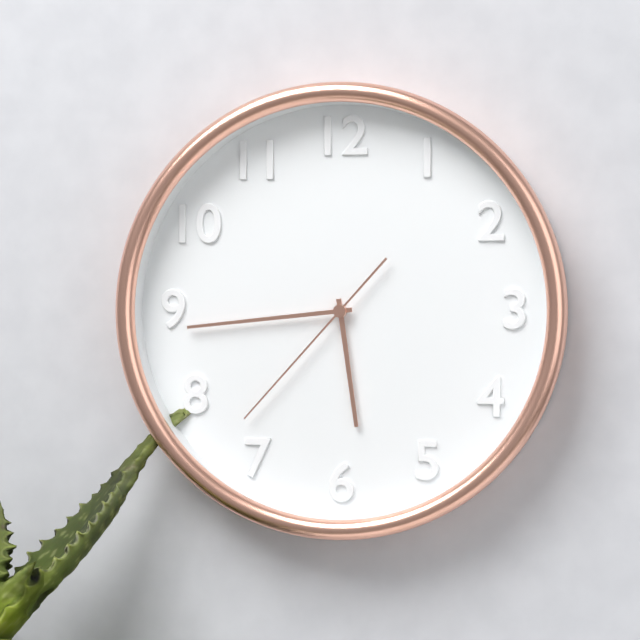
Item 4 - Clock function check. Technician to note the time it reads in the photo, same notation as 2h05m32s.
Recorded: 5h44m37s
